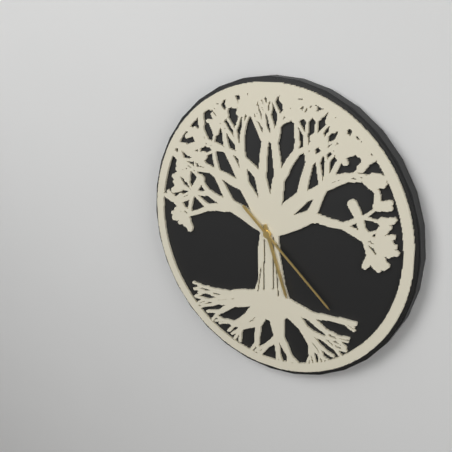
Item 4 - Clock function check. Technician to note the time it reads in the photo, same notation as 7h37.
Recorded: 5h22
